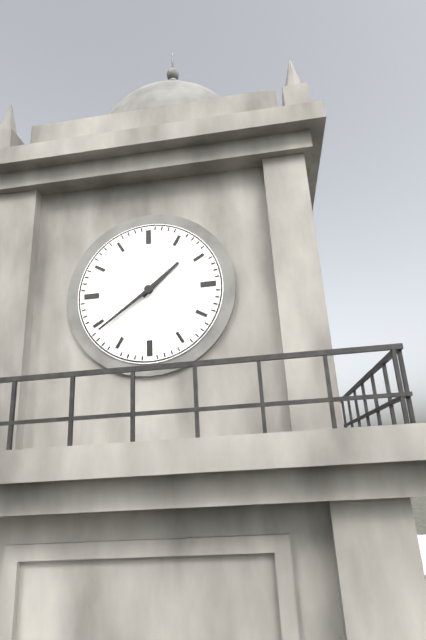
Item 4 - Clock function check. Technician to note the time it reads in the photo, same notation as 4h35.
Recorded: 1h39
